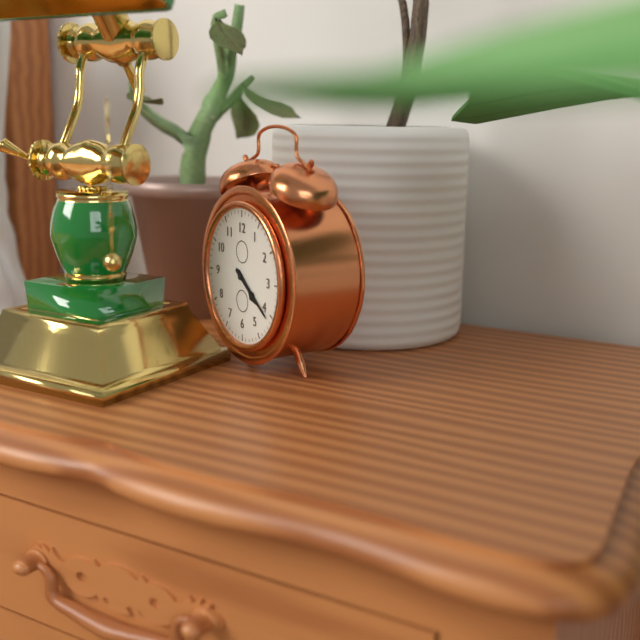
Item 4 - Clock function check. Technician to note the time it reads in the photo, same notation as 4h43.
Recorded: 4h21
